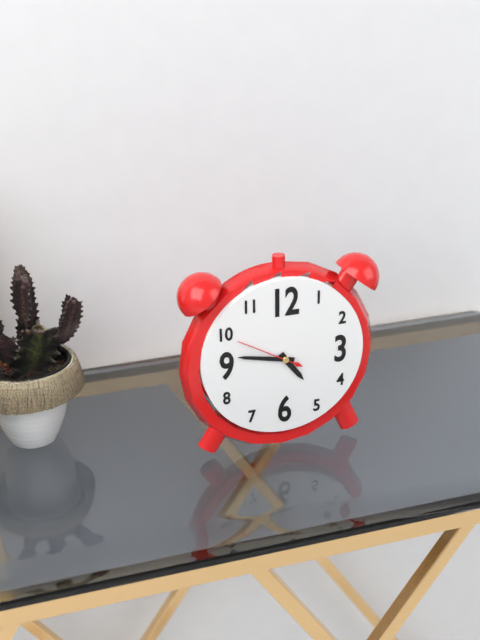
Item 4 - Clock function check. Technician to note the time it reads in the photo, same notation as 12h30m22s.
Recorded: 4h47m50s
